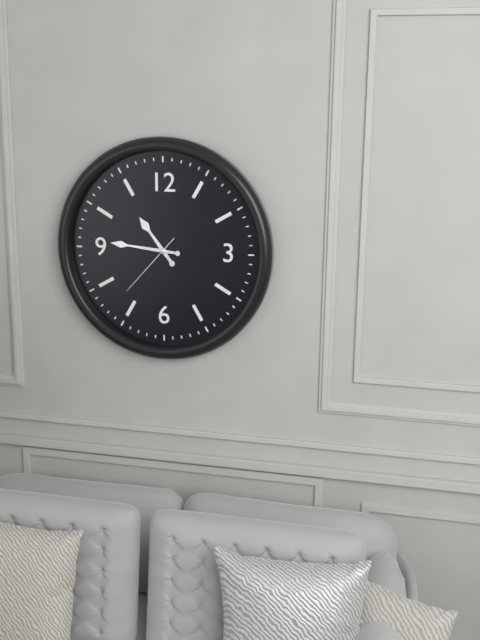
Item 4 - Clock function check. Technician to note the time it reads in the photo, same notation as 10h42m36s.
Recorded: 10h46m37s
